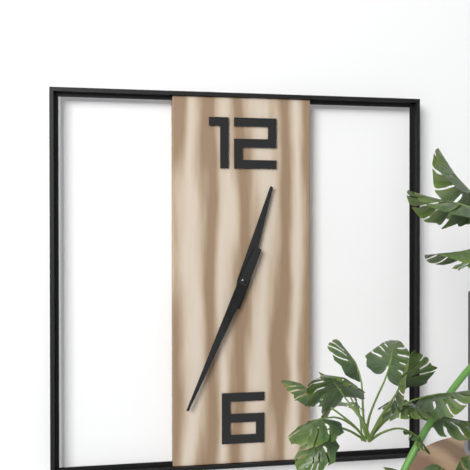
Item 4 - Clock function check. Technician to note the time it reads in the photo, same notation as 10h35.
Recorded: 12h34
